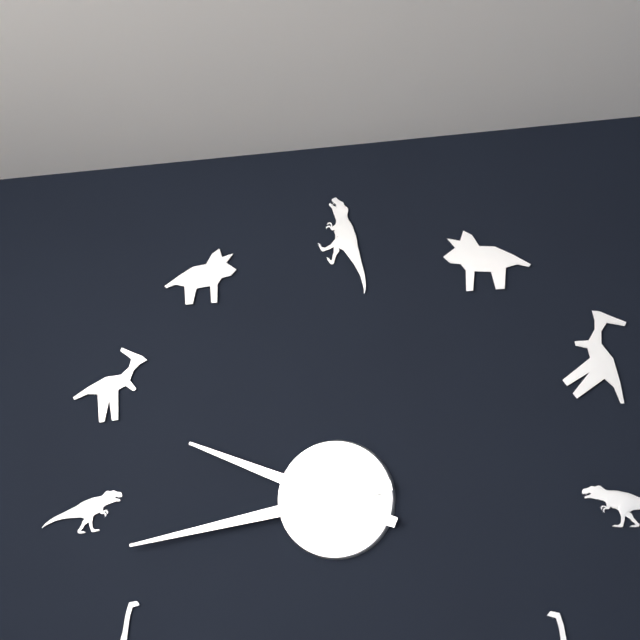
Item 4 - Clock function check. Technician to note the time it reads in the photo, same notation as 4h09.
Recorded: 9h43
